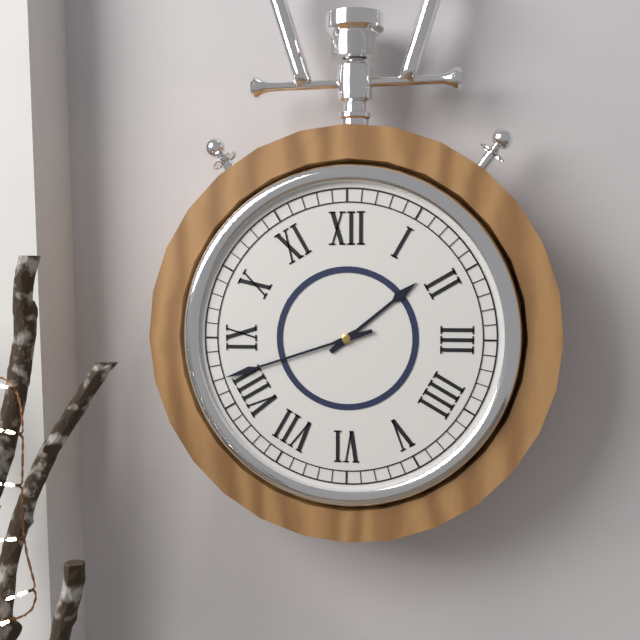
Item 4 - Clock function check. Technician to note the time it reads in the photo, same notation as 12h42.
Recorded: 1h42
